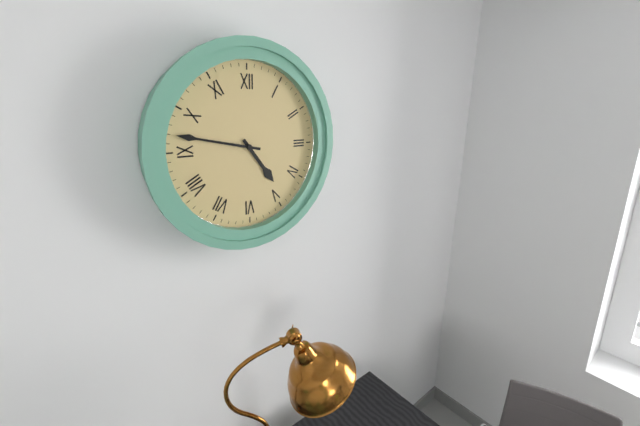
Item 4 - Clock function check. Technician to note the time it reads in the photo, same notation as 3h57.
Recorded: 4h47
